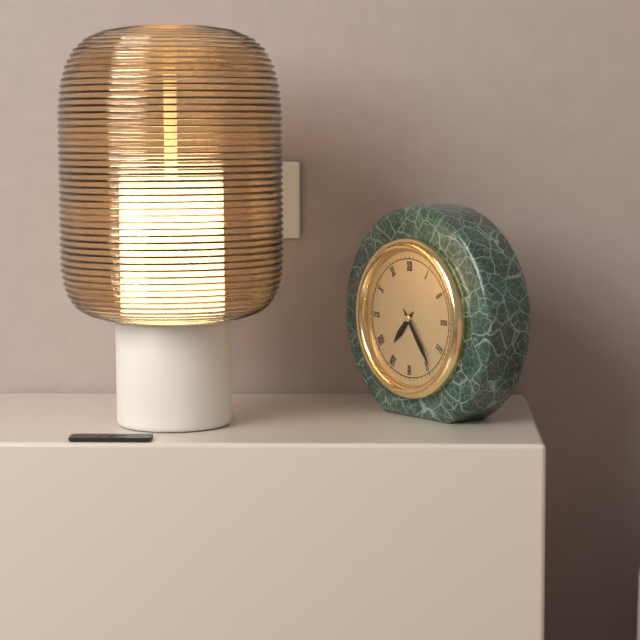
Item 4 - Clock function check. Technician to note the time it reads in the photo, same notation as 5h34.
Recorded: 7h24
